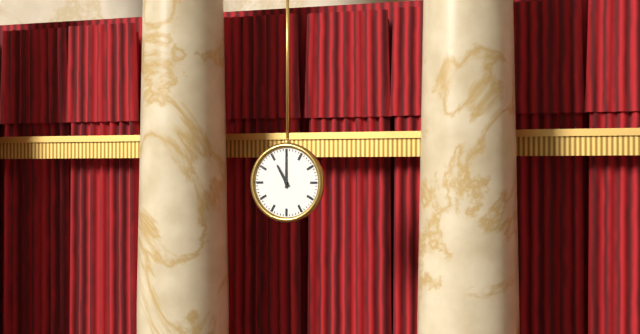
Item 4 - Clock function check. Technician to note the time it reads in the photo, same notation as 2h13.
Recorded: 11h00
